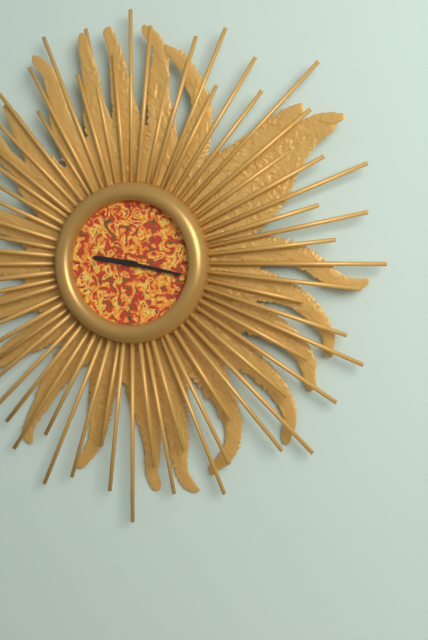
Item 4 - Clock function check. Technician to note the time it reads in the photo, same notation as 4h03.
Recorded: 9h17
